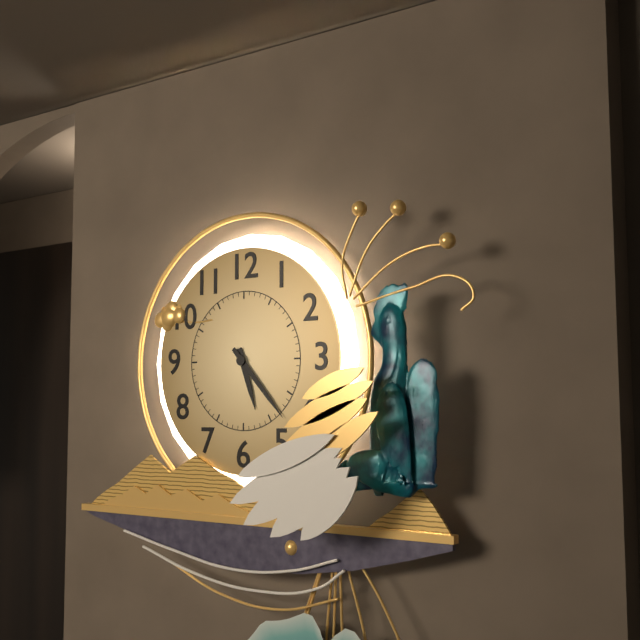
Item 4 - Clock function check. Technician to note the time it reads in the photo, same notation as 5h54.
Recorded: 5h23
